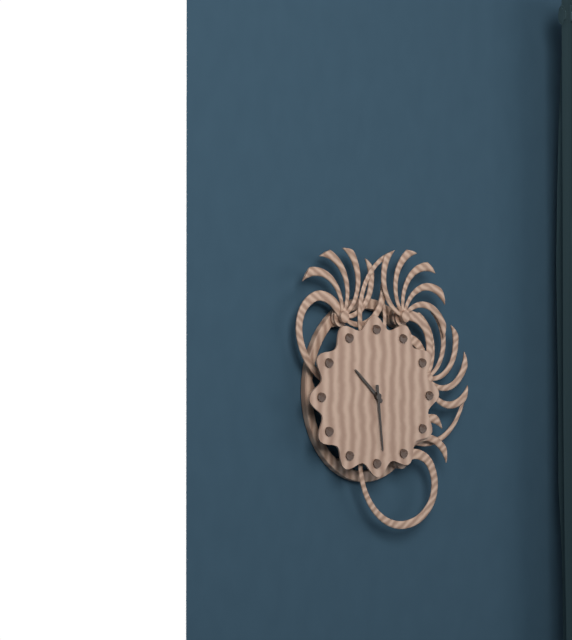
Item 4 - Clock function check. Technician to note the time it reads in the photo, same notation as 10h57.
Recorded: 10h29
